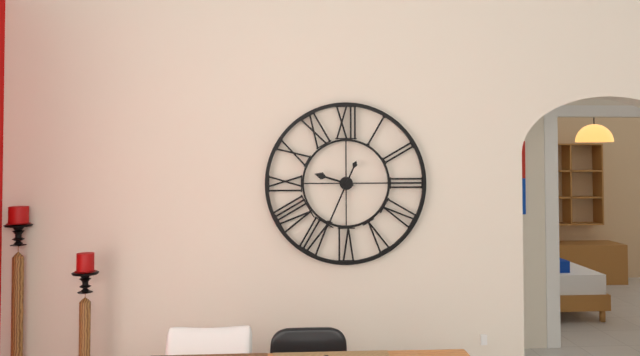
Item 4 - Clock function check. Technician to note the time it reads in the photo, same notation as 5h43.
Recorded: 9h34
